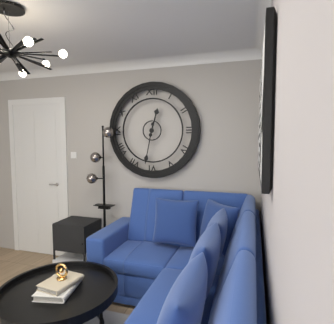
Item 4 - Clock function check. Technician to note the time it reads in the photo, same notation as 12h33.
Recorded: 12h32
